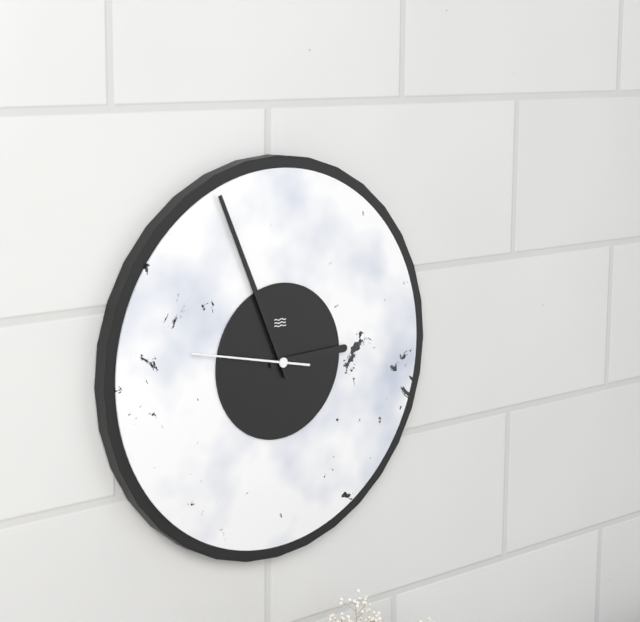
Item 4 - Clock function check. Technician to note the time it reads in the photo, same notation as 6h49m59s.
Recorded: 2h56m47s
